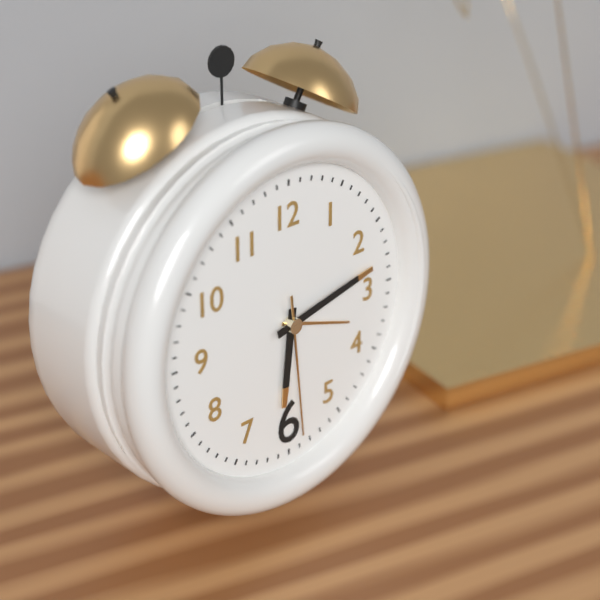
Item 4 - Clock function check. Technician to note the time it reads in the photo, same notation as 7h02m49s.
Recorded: 6h13m29s
